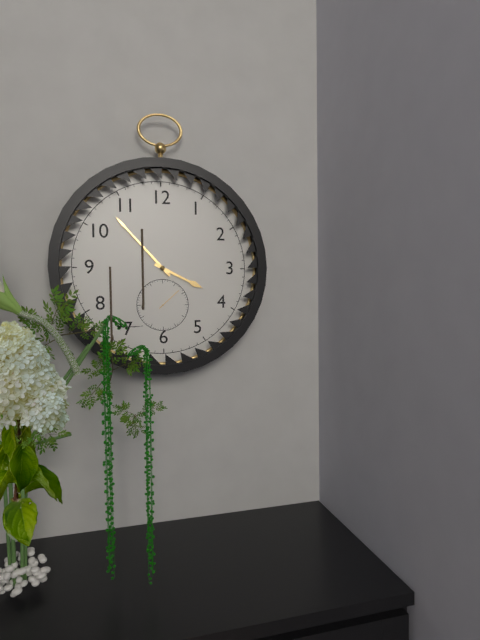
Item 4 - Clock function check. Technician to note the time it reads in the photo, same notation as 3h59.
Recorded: 3h53
